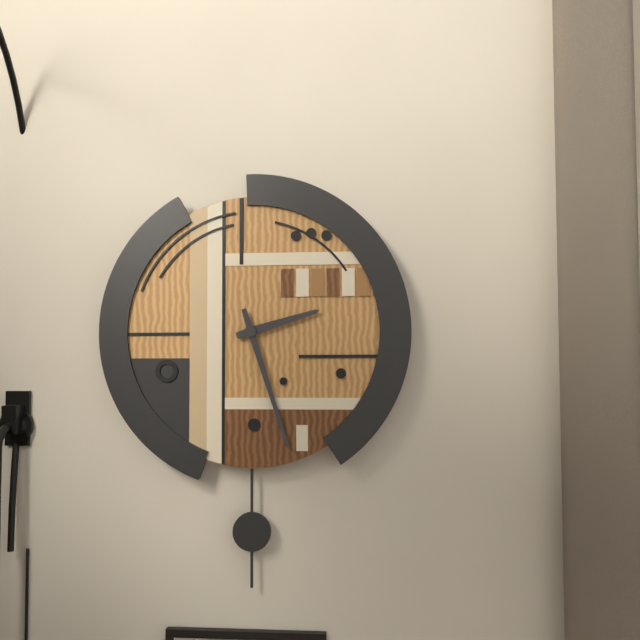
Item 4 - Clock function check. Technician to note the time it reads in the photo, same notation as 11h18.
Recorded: 2h27
